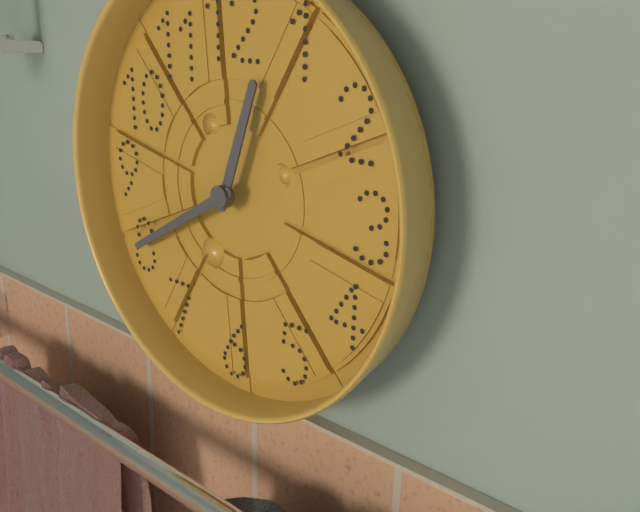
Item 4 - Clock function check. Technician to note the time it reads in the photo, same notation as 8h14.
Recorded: 12h40
